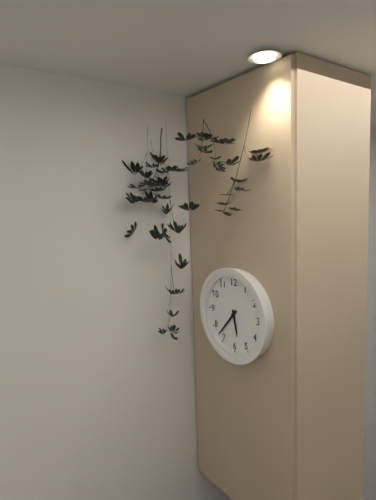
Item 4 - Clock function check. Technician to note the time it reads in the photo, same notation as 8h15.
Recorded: 5h37
